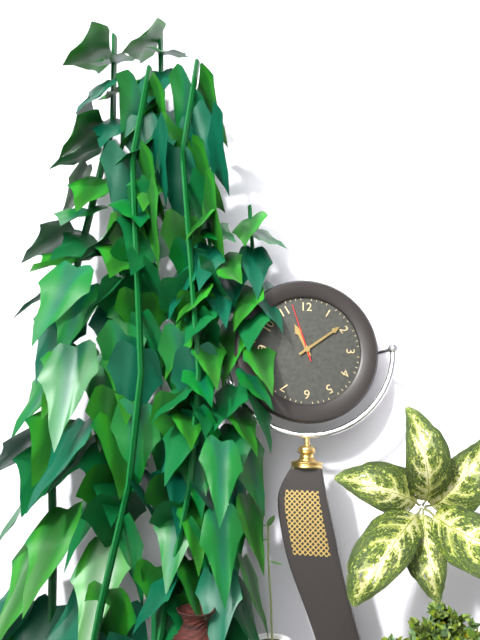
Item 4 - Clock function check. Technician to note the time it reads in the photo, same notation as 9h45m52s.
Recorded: 11h09m57s
